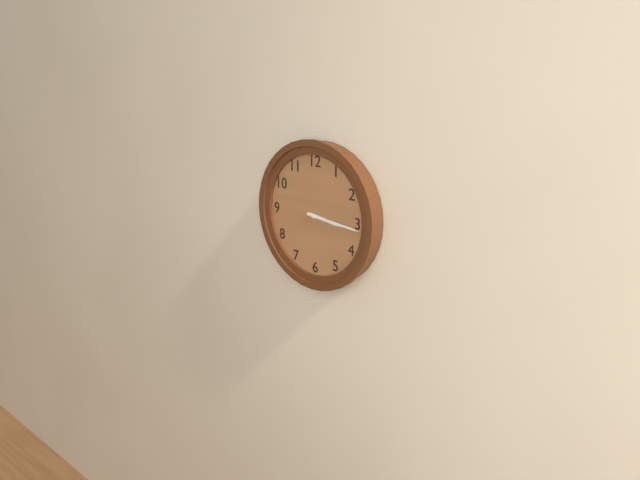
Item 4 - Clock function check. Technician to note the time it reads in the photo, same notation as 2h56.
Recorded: 3h16
